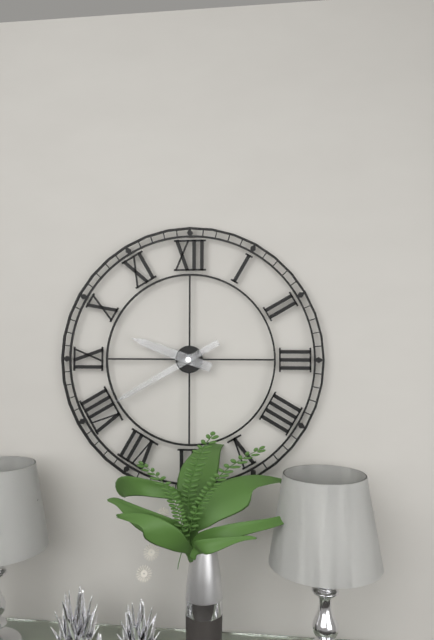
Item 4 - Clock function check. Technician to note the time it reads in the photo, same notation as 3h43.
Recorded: 9h40
